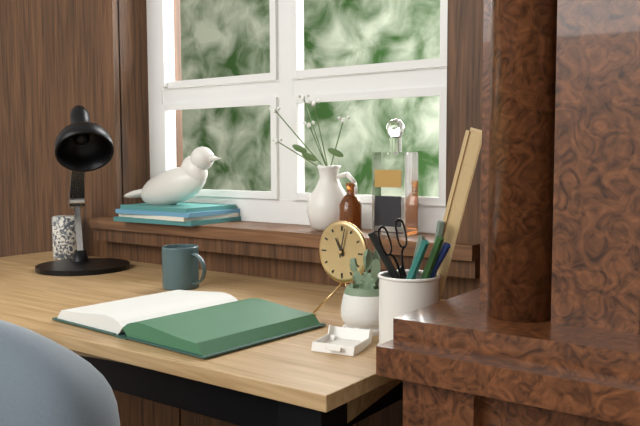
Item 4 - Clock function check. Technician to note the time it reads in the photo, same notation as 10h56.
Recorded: 11h02
